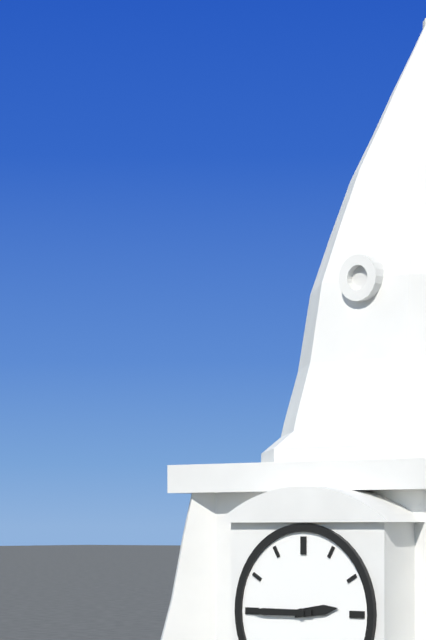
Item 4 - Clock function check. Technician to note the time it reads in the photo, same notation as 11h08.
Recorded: 2h45
